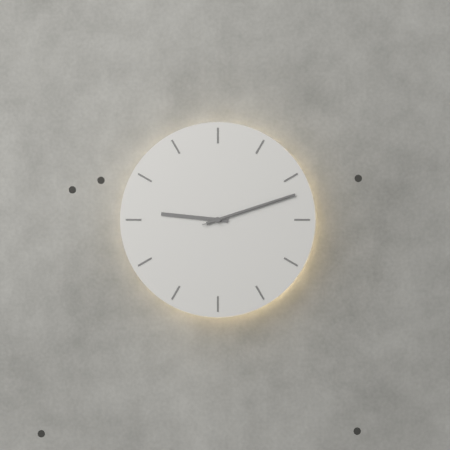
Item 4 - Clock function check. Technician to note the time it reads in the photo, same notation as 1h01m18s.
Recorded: 9h12m12s
